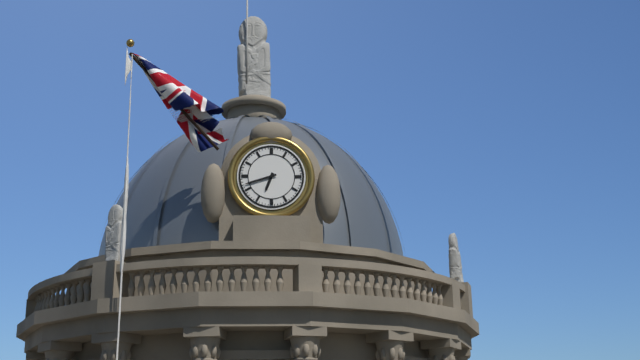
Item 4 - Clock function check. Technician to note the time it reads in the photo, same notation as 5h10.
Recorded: 6h42
